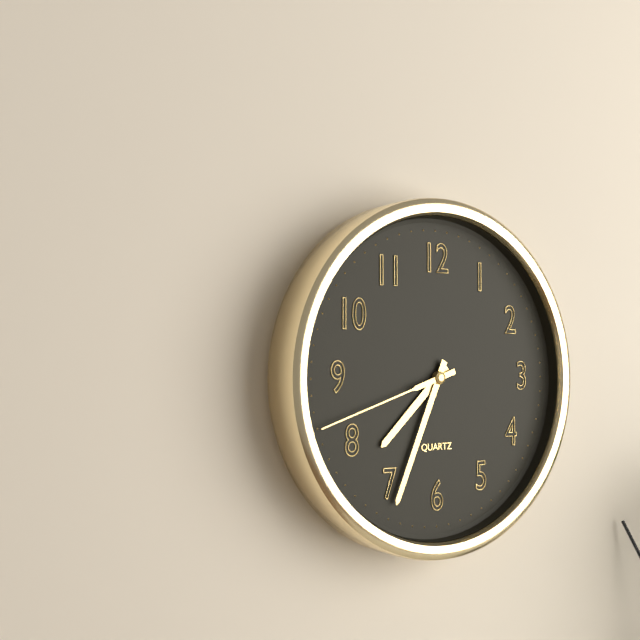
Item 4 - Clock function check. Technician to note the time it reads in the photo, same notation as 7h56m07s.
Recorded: 7h34m42s
